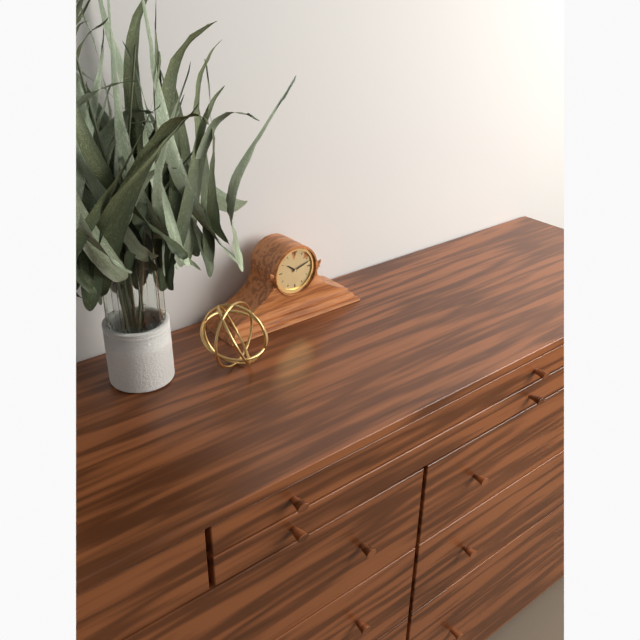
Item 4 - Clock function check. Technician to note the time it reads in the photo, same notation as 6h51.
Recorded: 10h12
